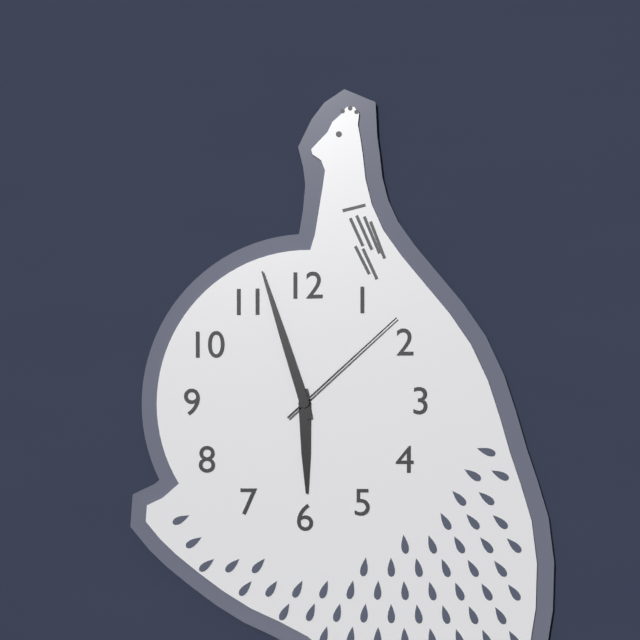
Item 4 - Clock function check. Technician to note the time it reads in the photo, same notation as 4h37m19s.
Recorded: 5h57m08s
